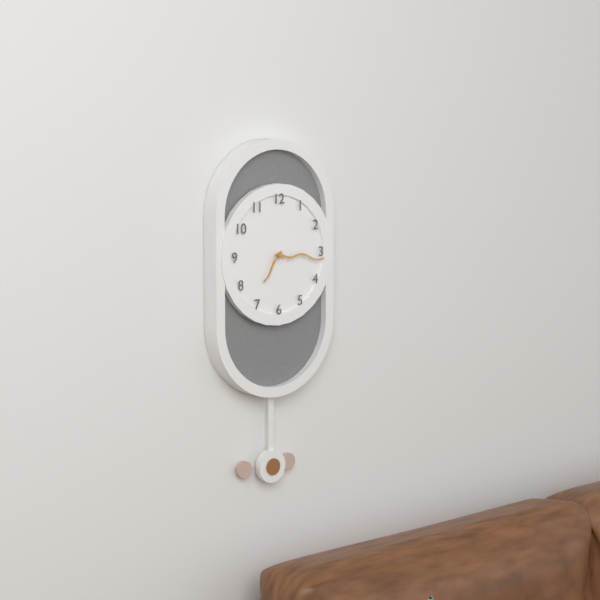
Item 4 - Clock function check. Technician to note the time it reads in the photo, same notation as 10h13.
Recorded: 7h16
